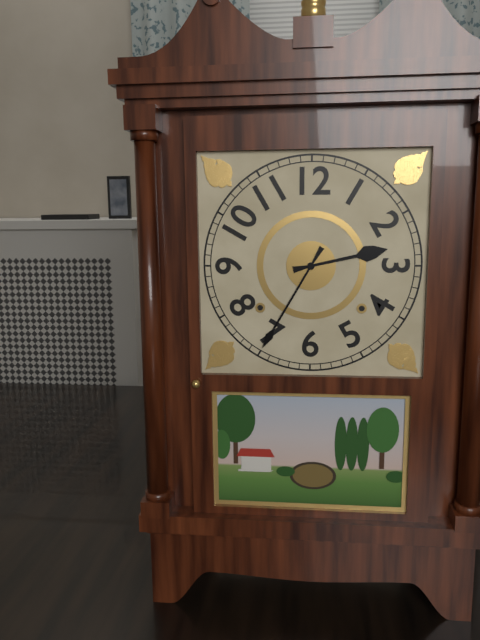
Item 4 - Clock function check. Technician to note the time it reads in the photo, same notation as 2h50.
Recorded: 2h35
